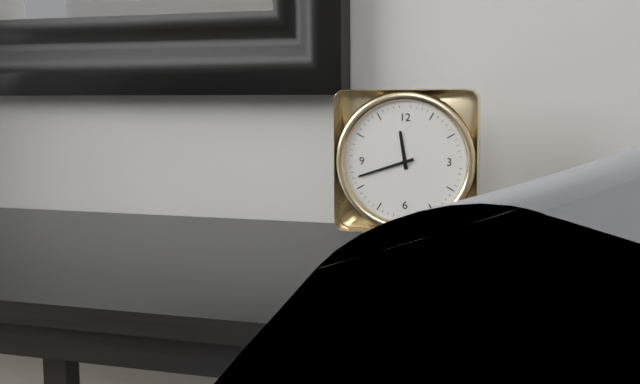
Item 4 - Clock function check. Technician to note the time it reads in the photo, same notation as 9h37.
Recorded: 11h42
